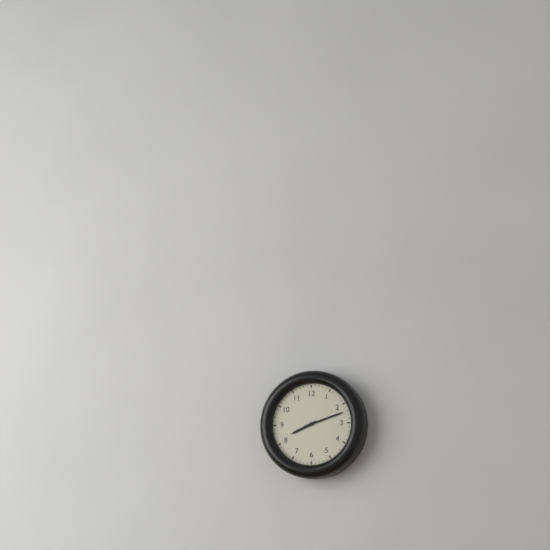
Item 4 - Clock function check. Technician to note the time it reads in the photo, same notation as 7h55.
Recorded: 8h12
